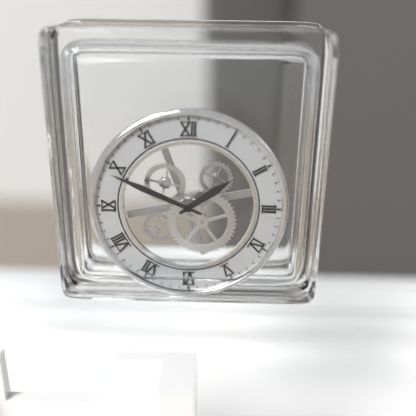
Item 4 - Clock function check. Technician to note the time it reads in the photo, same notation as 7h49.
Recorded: 1h49
